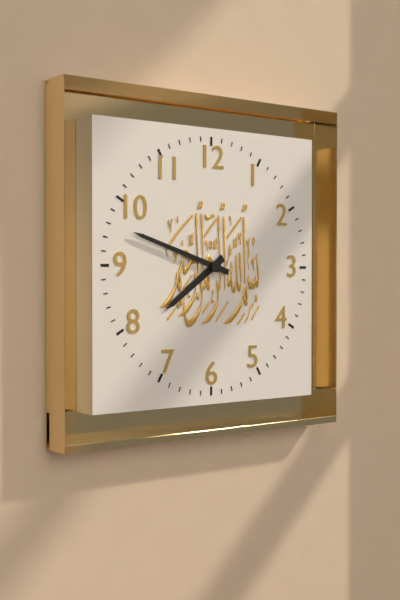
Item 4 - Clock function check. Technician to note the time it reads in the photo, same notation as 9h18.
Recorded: 7h48
